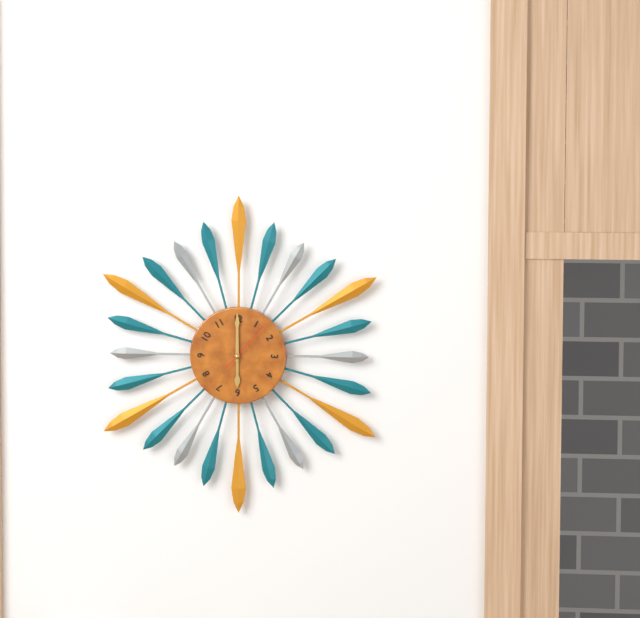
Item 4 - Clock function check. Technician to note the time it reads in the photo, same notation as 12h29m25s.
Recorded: 6h00m07s
